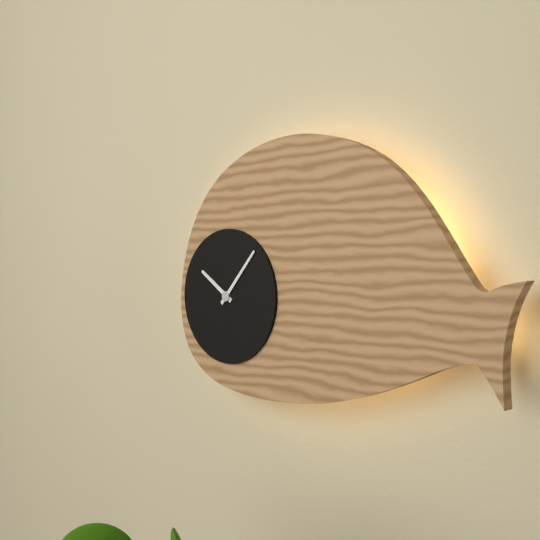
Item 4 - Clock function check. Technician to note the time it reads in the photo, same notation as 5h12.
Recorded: 10h07
